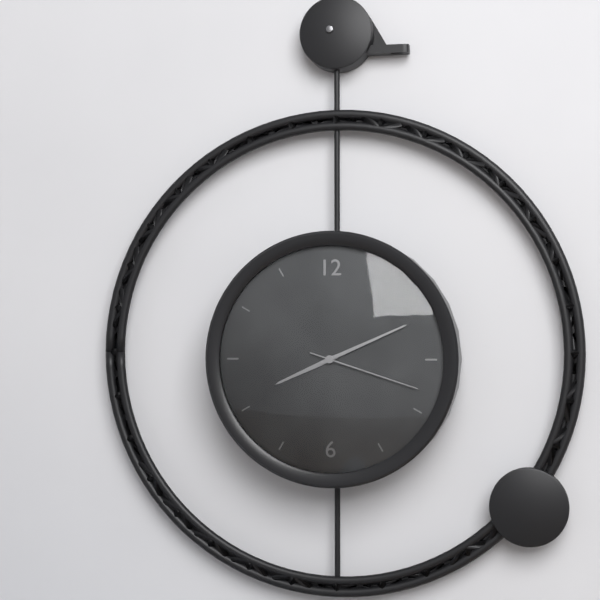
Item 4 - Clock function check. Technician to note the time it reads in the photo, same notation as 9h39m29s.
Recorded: 8h11m18s
